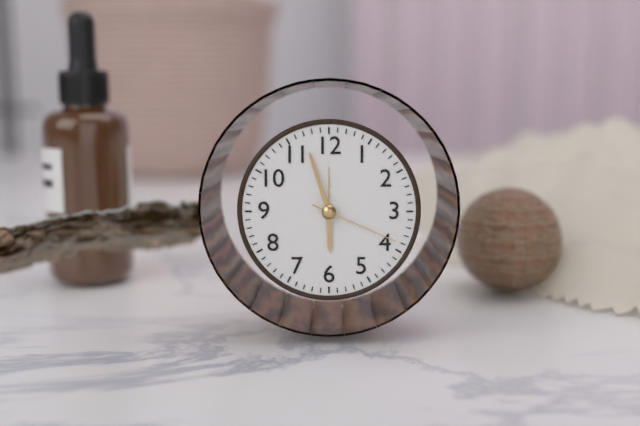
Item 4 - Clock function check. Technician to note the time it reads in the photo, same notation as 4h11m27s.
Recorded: 5h57m19s
